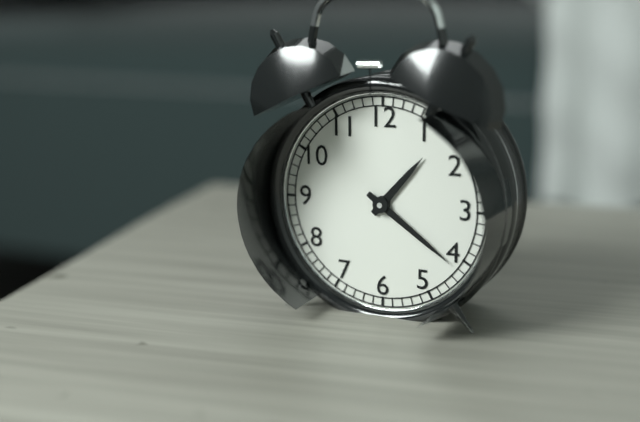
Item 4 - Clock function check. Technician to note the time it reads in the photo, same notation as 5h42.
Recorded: 1h21
